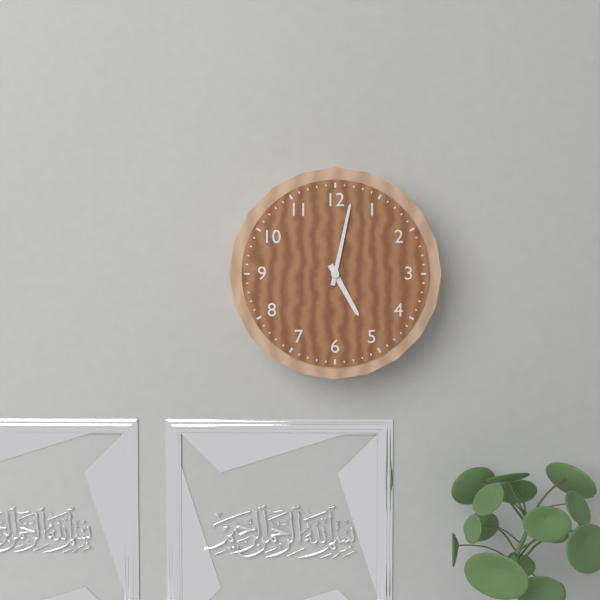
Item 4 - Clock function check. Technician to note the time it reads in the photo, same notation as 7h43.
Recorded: 5h02
